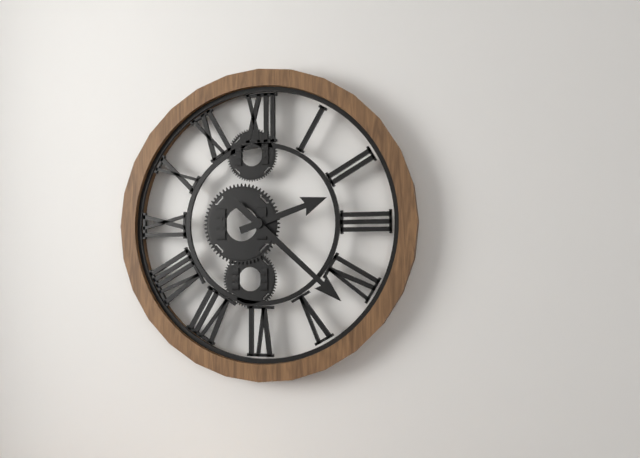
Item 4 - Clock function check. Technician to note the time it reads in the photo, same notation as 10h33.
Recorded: 2h22
